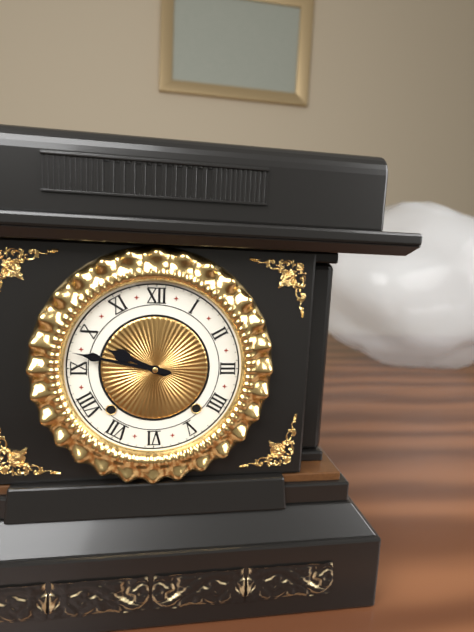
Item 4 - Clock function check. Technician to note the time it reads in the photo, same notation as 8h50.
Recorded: 9h47
